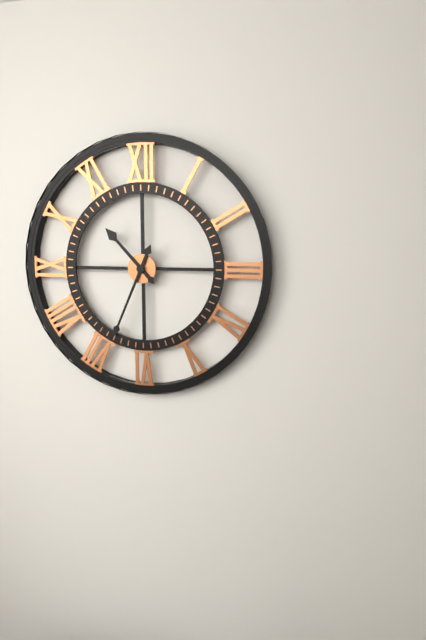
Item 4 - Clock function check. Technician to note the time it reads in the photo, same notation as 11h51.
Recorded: 10h34
